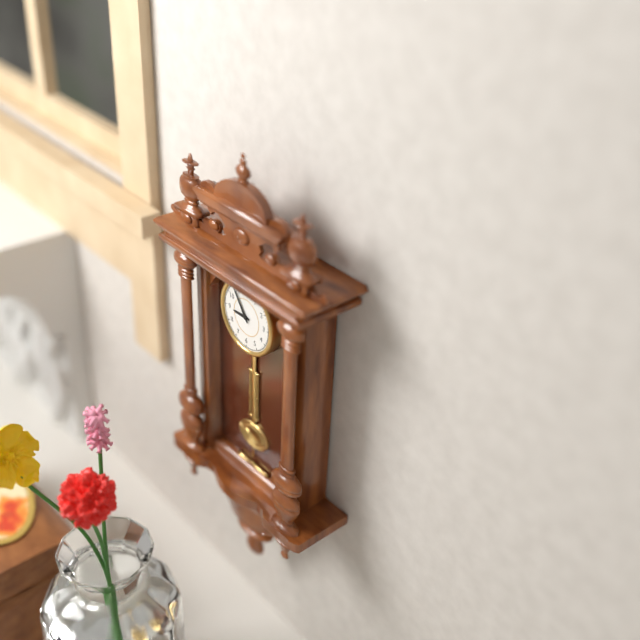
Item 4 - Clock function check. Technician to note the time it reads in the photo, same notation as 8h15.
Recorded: 8h54
